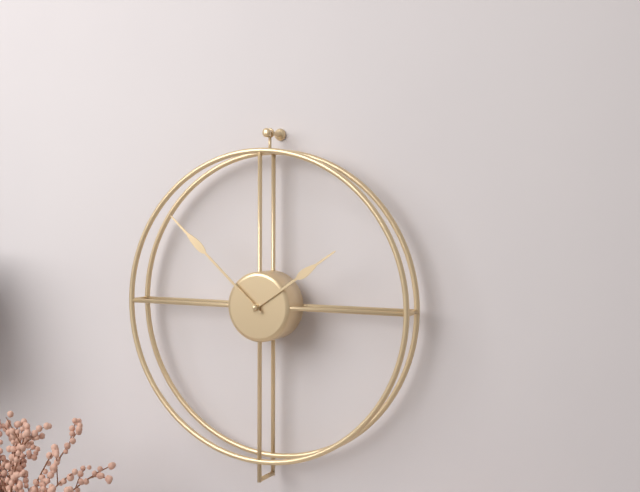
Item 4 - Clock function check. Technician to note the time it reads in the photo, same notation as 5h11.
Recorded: 1h52
